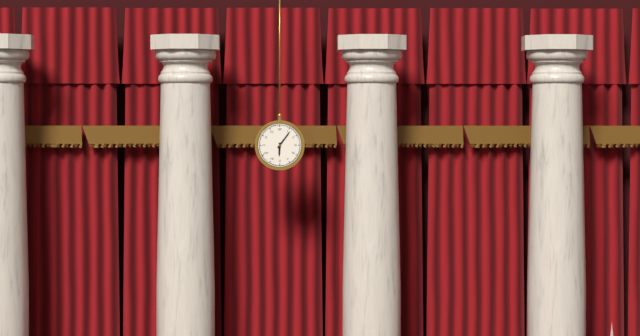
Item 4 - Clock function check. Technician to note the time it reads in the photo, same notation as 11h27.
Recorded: 6h06
